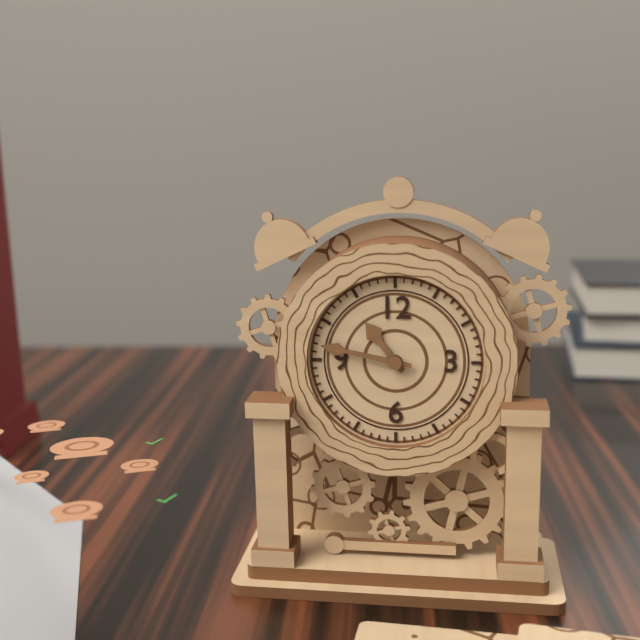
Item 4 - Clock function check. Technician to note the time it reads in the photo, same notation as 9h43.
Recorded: 10h47
